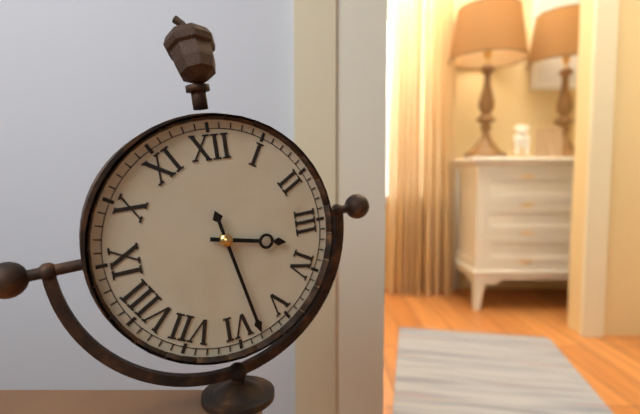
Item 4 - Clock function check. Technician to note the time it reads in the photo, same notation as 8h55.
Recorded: 3h28
